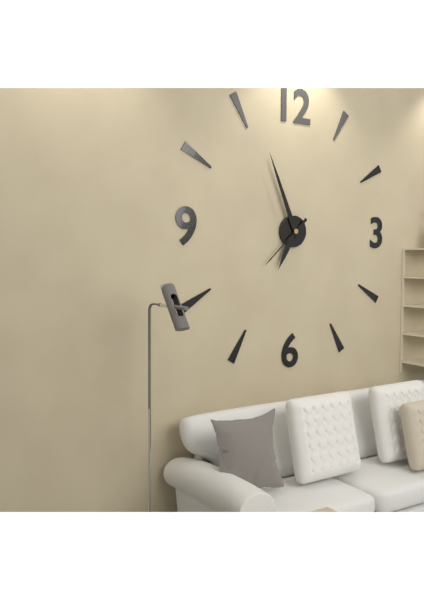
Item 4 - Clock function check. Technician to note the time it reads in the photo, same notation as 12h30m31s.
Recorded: 6h56m38s
